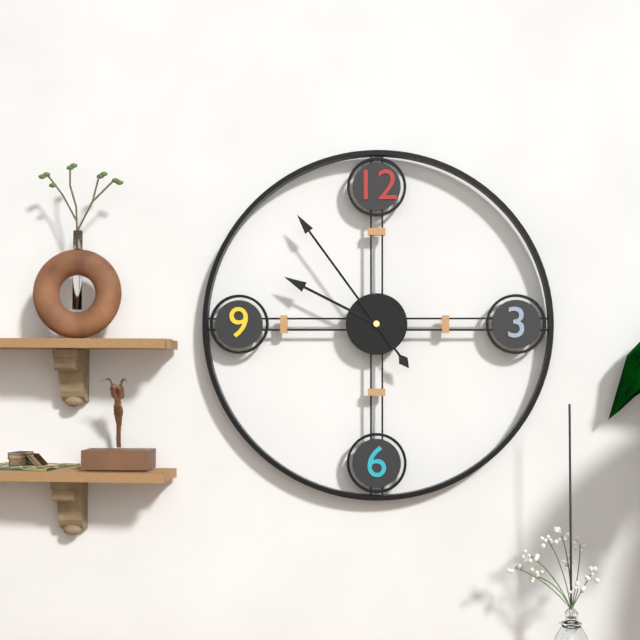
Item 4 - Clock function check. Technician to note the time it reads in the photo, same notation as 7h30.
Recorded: 9h54
